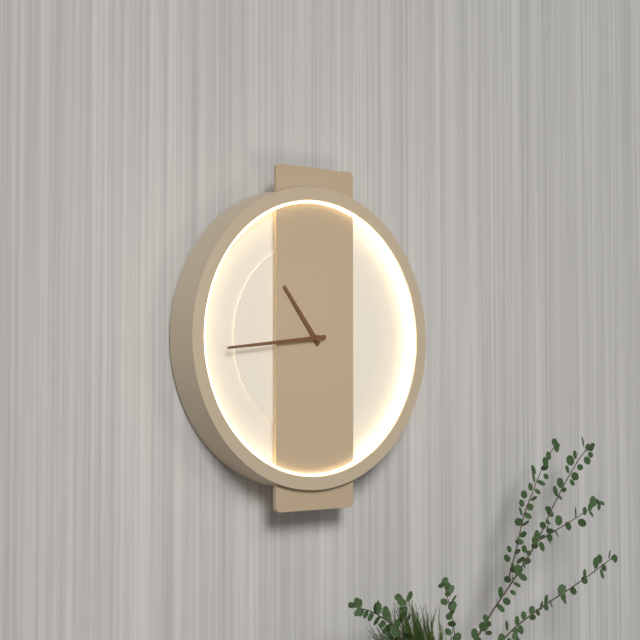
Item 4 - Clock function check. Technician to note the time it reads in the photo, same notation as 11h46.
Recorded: 10h44
